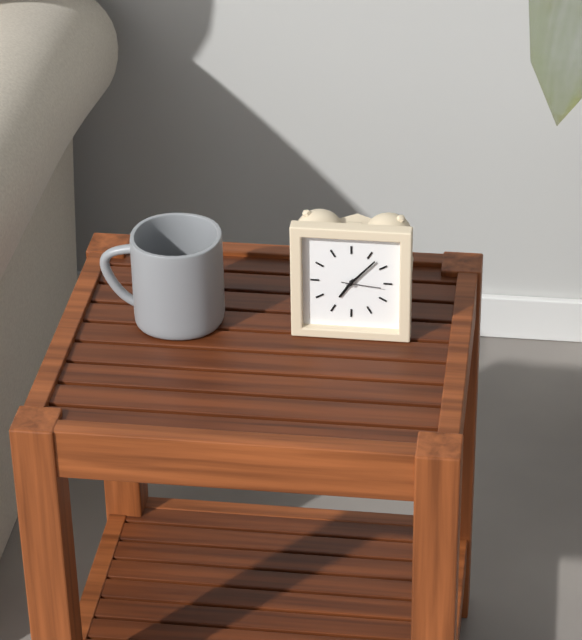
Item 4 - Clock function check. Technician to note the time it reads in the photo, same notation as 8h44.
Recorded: 7h07
